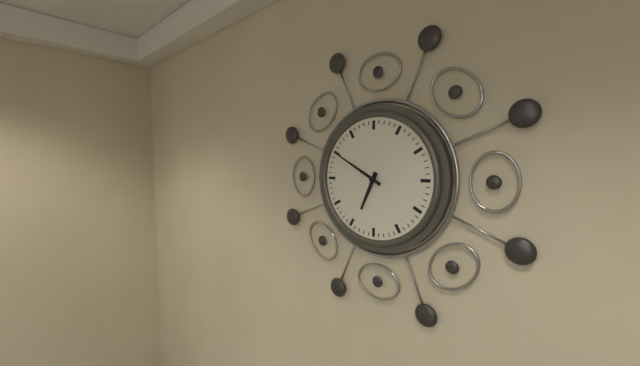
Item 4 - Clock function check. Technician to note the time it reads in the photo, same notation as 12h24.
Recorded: 6h50
